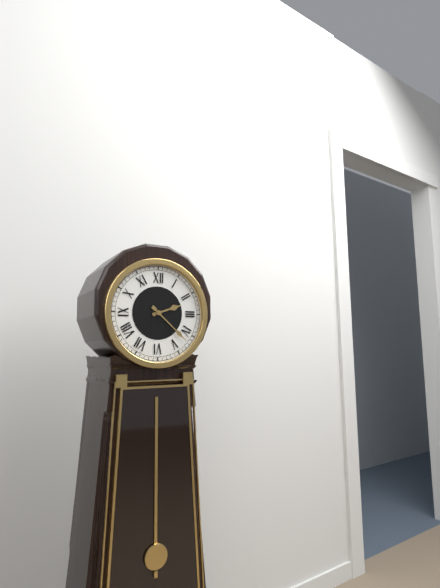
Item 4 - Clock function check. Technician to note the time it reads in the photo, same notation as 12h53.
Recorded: 2h22
